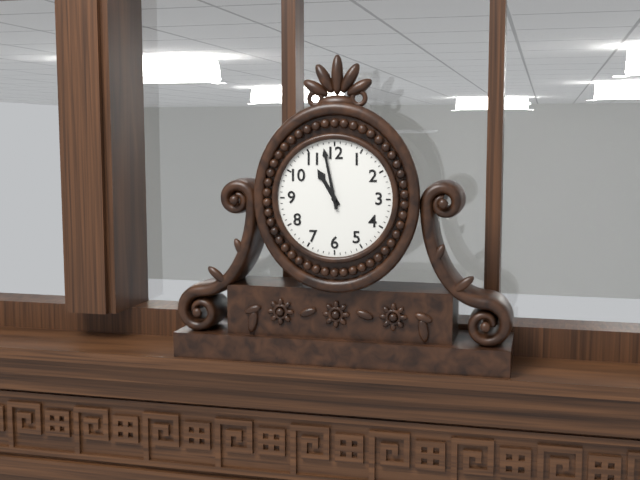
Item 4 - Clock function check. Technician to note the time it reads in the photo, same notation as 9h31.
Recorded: 10h58
